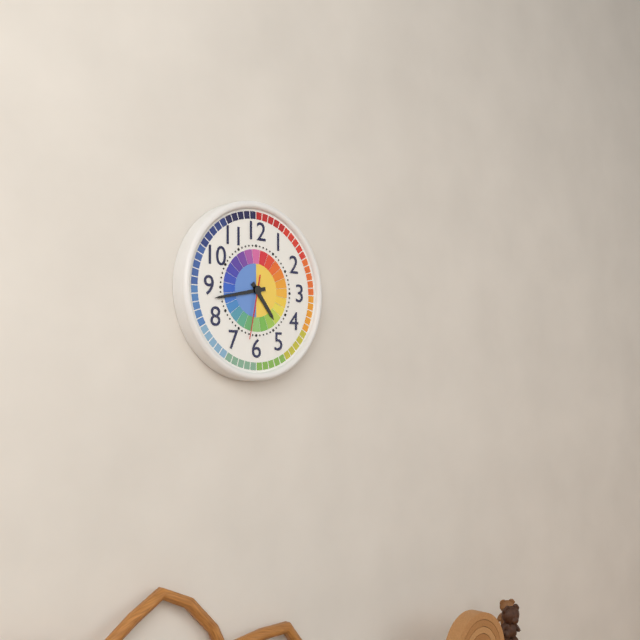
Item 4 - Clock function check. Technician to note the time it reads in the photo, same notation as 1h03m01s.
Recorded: 4h43m32s
